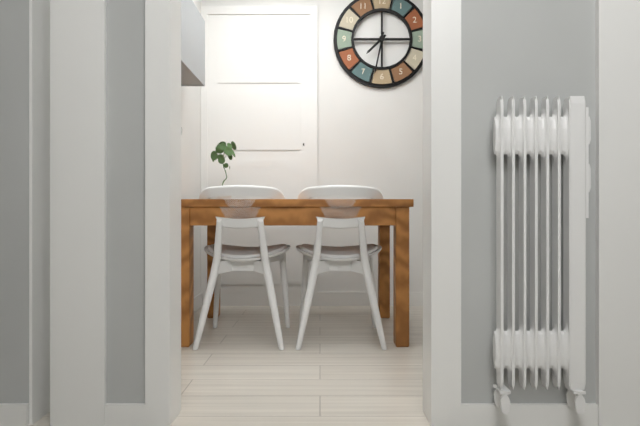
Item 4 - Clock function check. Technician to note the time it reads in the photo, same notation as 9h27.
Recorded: 7h32
